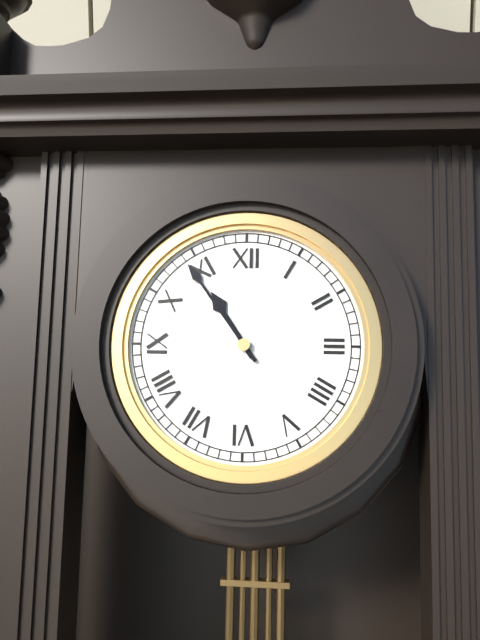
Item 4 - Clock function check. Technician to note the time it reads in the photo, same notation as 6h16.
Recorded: 10h54
